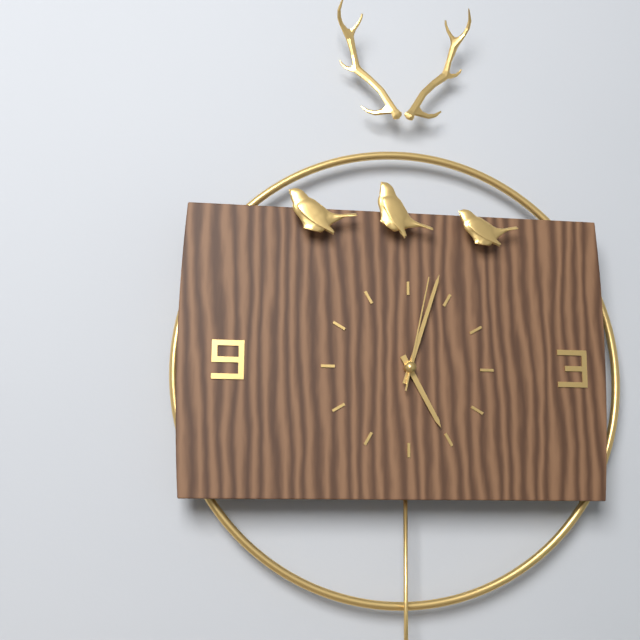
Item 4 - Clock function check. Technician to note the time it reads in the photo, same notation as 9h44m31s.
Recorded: 5h03m02s
